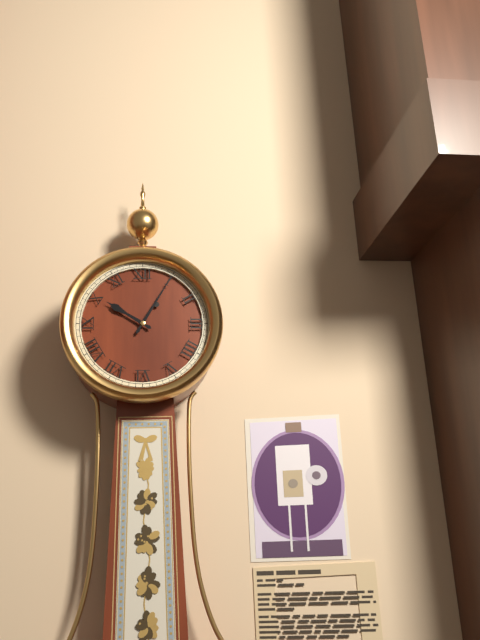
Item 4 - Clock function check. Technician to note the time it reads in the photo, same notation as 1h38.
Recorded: 10h05
